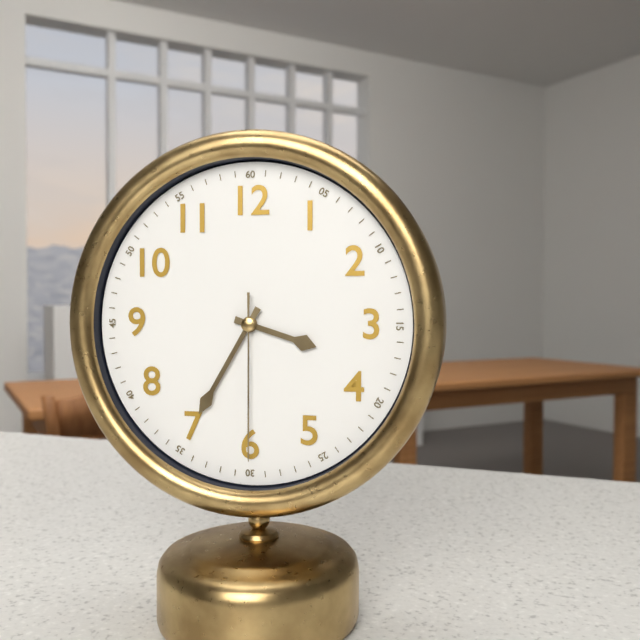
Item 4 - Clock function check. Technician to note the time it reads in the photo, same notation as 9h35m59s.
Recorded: 3h35m30s
